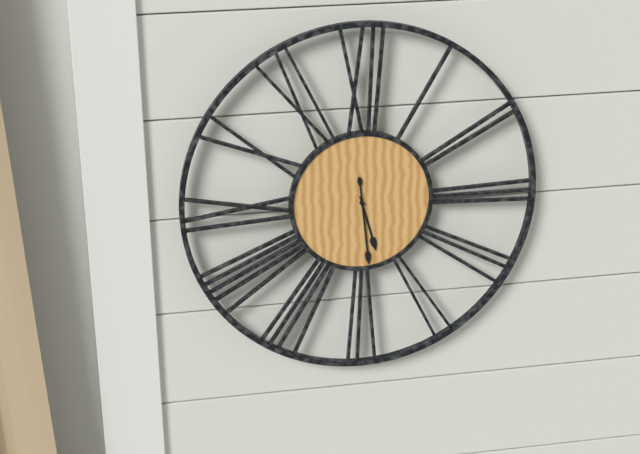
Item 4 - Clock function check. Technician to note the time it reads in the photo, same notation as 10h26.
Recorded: 5h29
